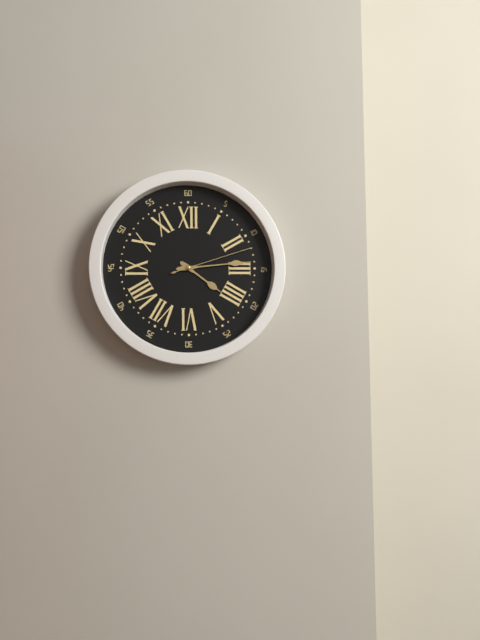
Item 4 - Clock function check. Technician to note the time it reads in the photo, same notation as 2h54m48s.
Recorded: 4h14m12s
